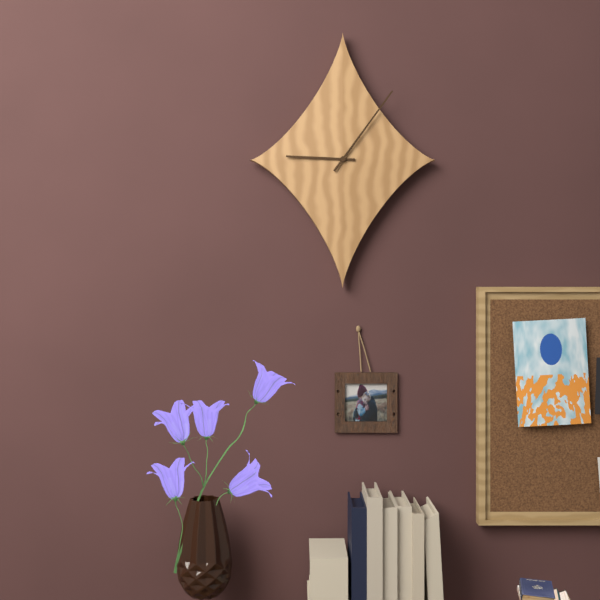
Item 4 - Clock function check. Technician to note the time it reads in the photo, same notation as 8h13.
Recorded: 9h06
